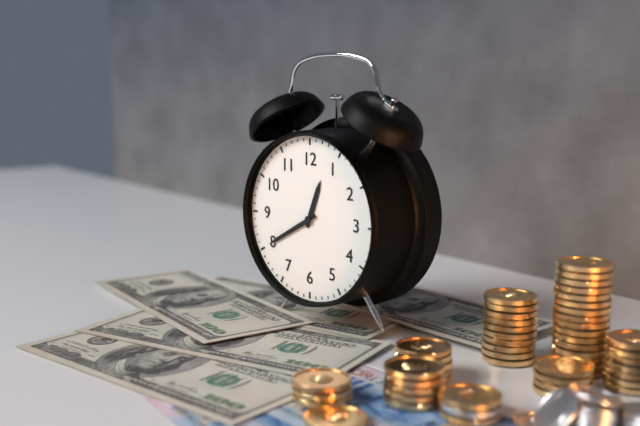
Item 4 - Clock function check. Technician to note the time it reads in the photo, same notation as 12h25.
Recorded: 12h40
